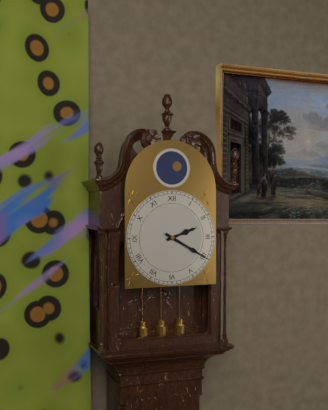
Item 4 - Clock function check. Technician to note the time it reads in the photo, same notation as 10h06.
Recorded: 2h20
